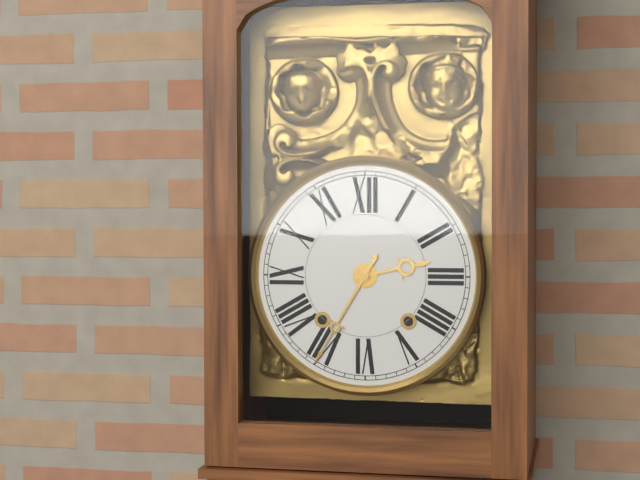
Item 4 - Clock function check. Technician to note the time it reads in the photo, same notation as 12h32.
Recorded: 2h35
